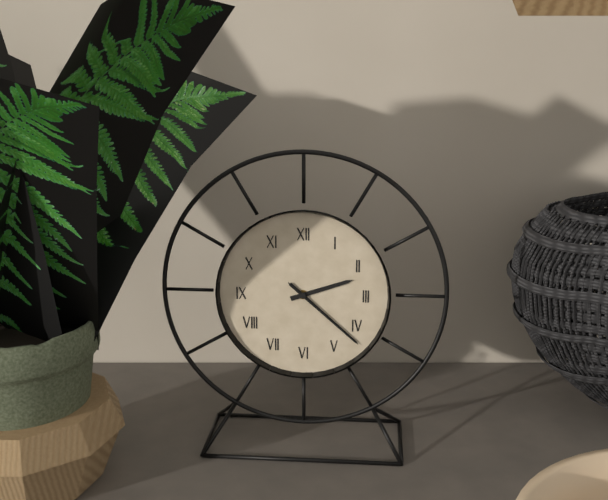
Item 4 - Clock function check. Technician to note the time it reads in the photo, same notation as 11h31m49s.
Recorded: 2h22m22s
